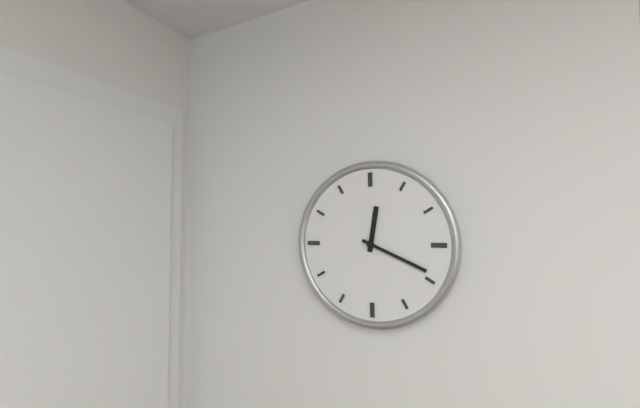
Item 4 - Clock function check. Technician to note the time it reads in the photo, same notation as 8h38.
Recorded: 12h19
